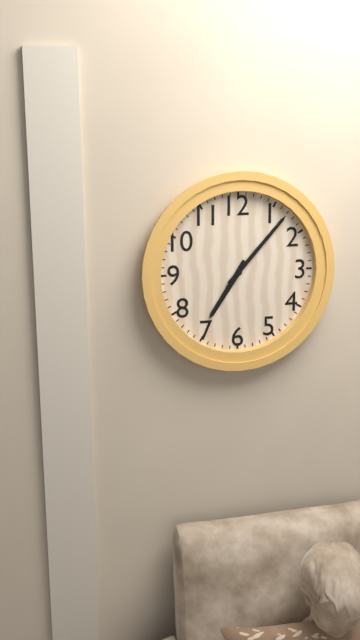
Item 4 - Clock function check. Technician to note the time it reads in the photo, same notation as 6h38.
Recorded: 7h07
